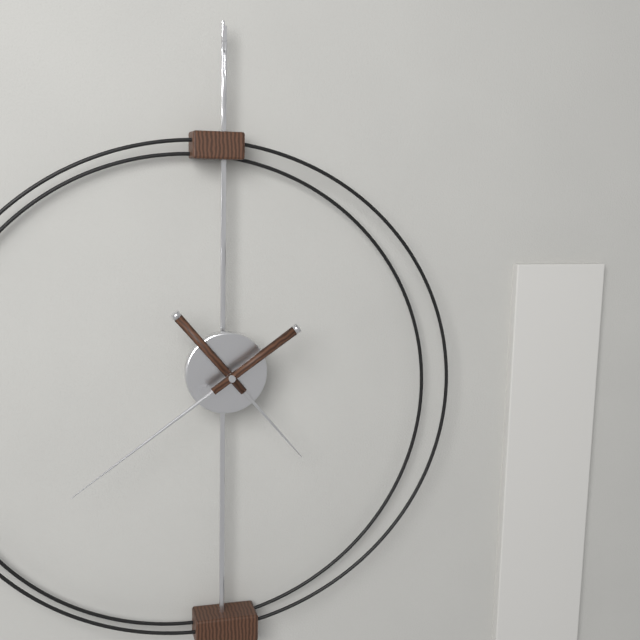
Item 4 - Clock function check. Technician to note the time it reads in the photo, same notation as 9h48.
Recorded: 4h39
